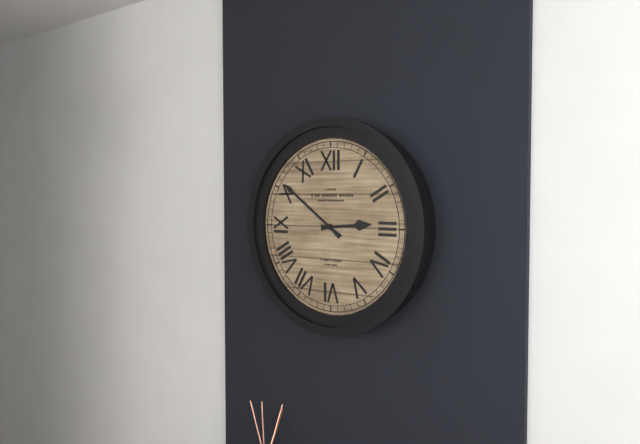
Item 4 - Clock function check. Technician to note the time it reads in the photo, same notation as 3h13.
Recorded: 2h51
